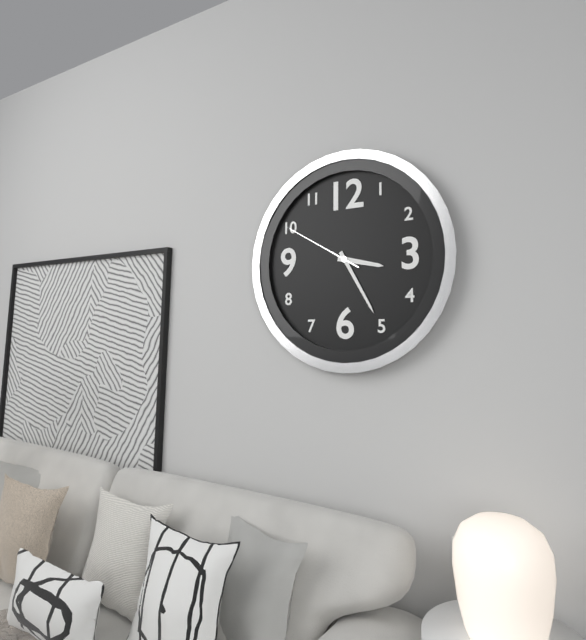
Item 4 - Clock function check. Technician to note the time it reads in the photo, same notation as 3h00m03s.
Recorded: 3h25m50s
